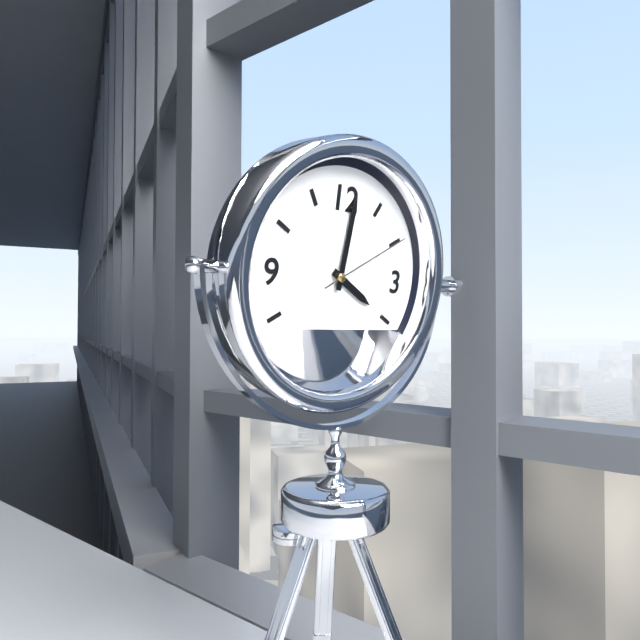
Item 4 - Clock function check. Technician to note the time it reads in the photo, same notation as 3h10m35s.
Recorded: 4h01m10s
